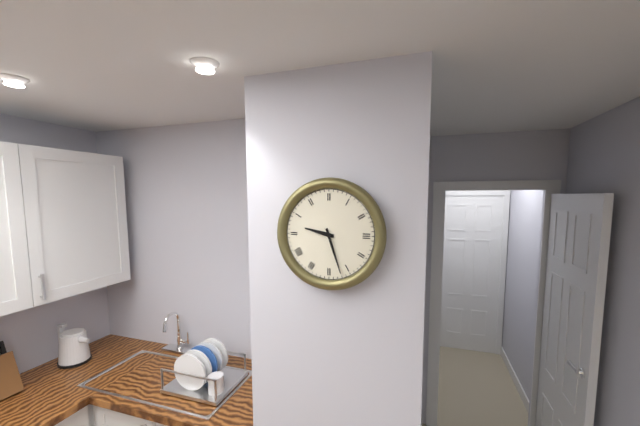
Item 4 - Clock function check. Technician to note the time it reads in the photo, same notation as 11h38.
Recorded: 9h27
